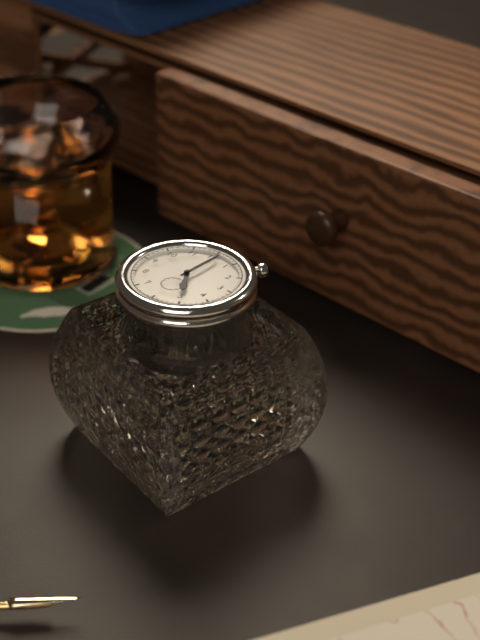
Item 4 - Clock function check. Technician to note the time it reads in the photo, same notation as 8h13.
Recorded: 5h01
